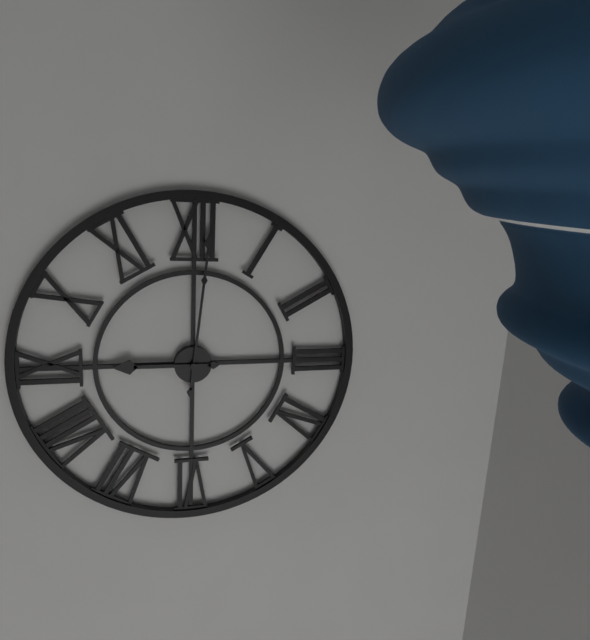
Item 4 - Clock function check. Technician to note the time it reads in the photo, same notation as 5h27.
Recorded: 9h01
